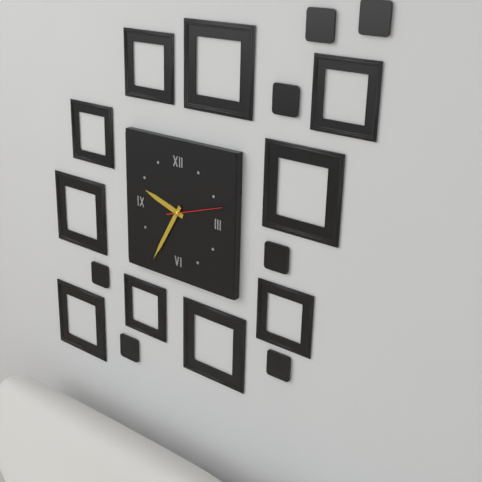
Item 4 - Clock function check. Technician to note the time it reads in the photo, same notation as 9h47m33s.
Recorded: 9h35m12s
